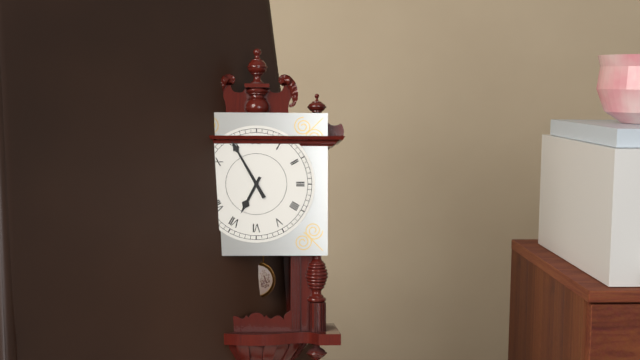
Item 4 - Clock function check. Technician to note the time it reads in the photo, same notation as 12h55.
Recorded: 6h55
